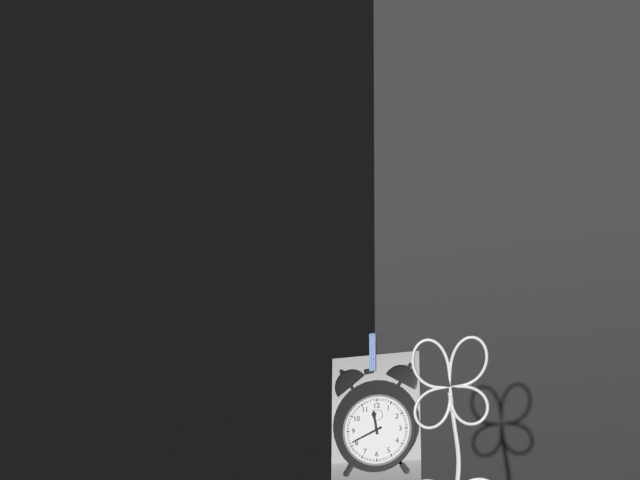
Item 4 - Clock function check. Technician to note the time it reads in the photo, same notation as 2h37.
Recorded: 11h41
